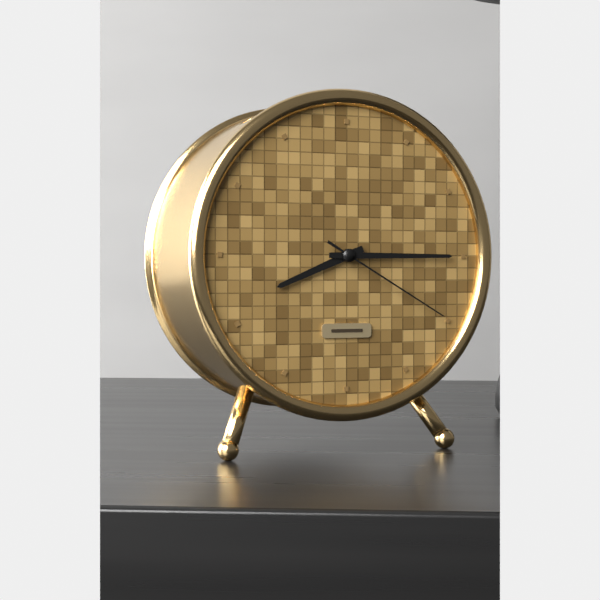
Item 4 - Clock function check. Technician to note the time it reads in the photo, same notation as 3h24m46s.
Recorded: 8h15m20s
